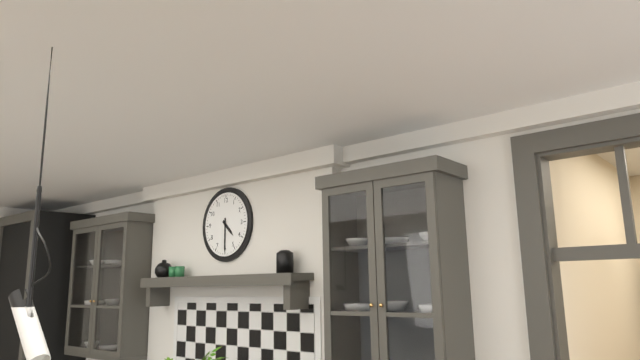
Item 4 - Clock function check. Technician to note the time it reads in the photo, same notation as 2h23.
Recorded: 4h30
